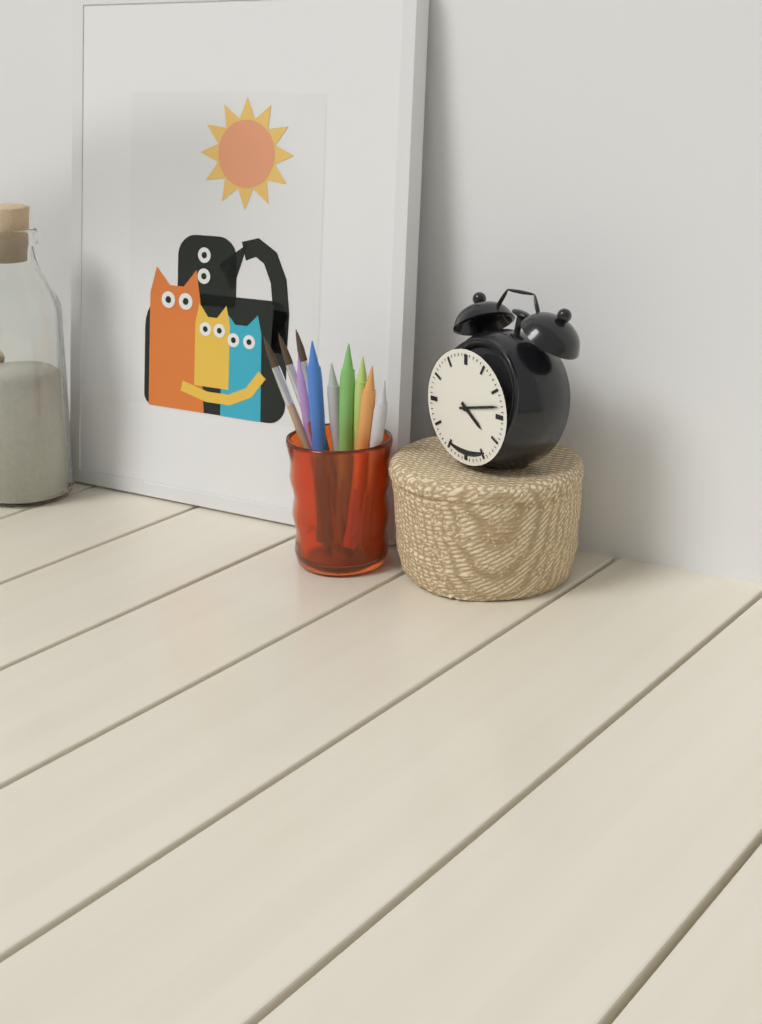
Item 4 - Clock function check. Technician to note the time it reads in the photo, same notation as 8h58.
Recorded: 4h13
